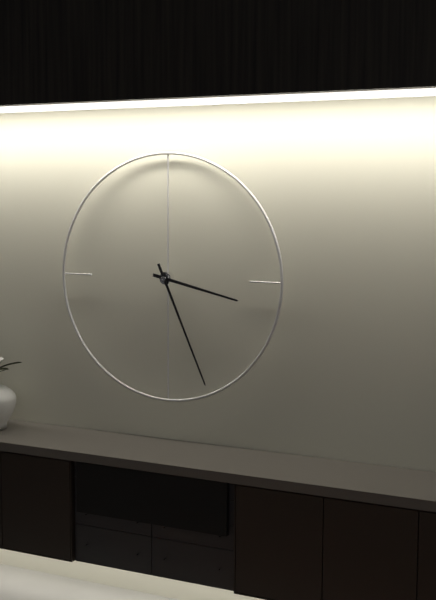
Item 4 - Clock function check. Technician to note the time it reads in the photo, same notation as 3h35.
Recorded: 3h26
